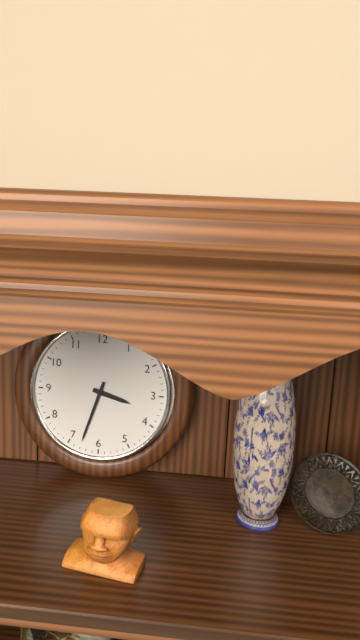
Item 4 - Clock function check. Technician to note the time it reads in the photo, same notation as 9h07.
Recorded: 3h33
